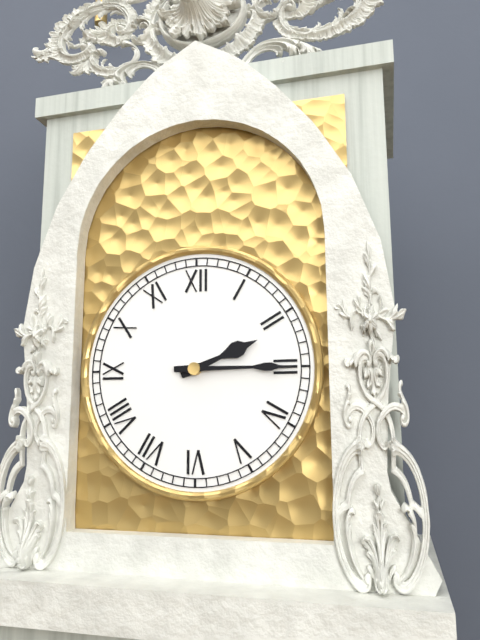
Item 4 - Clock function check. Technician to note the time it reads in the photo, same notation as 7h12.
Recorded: 2h15
